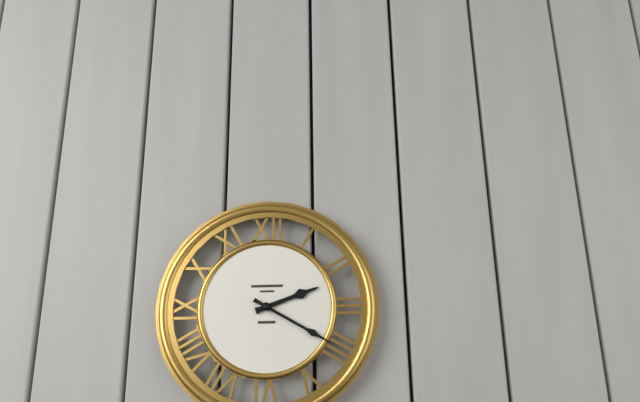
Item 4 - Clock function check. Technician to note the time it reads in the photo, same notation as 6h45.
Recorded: 2h20
